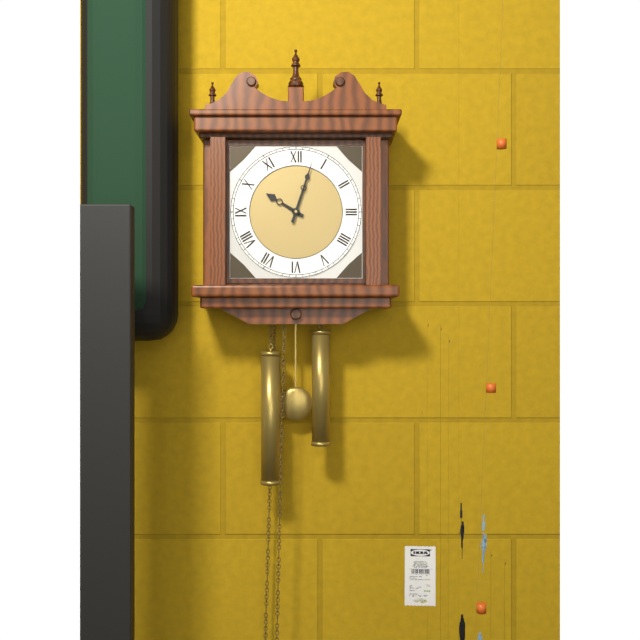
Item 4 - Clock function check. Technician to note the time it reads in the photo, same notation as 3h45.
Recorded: 10h03
